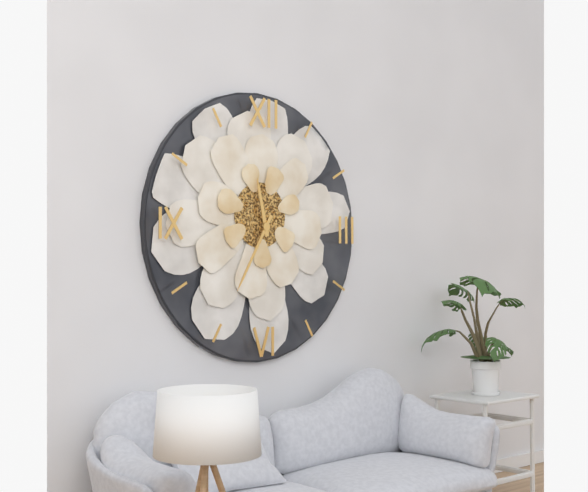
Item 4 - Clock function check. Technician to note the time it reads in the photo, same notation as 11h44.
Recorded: 11h35
